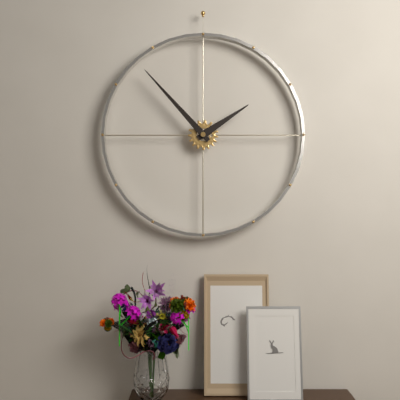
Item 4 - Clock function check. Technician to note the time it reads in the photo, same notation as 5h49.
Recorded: 1h53
